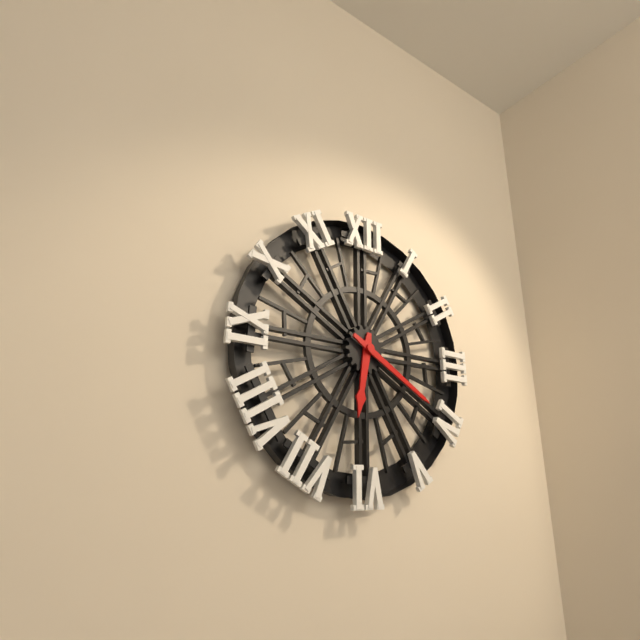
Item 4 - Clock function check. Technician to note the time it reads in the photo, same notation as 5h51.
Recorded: 6h20
